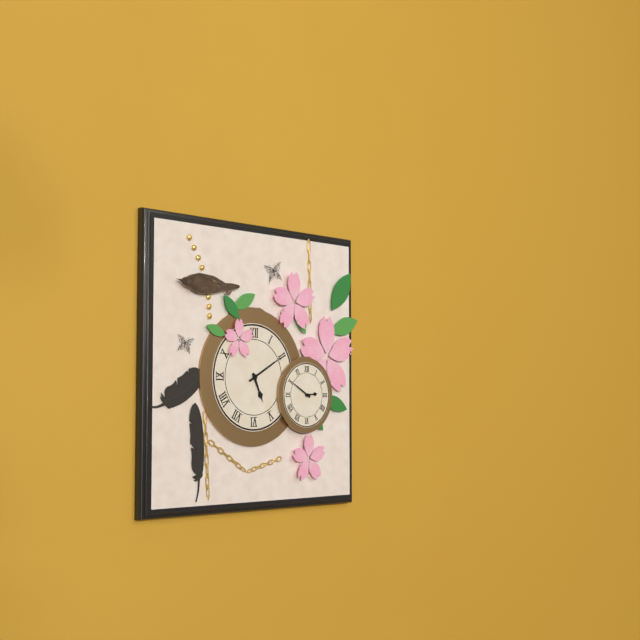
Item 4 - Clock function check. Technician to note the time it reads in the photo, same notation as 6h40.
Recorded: 5h10
